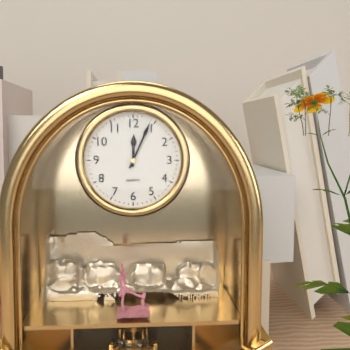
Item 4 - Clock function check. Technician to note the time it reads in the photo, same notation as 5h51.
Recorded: 12h04
